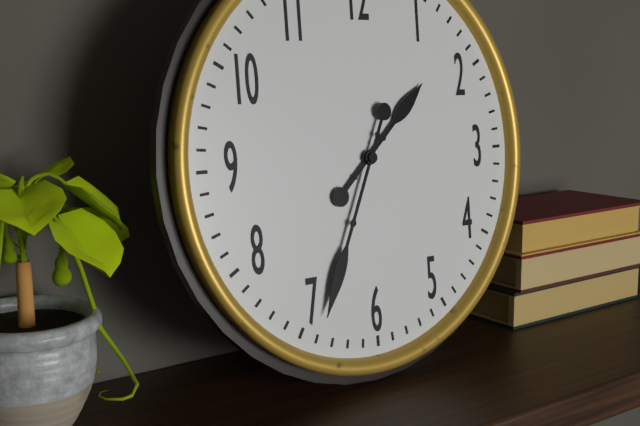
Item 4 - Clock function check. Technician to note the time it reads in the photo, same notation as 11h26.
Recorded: 1h34
